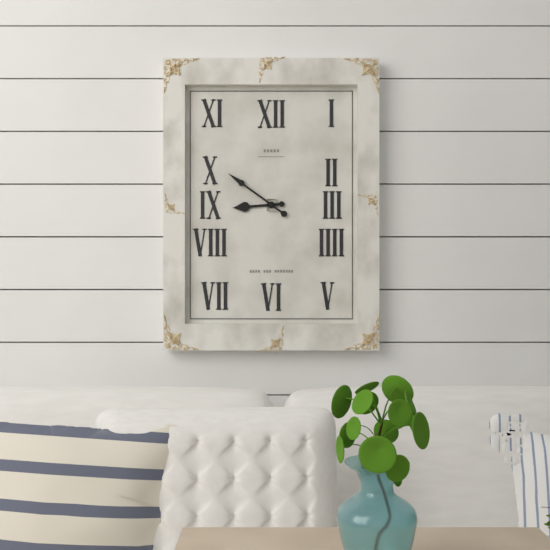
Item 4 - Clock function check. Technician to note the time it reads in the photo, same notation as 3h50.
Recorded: 8h51
